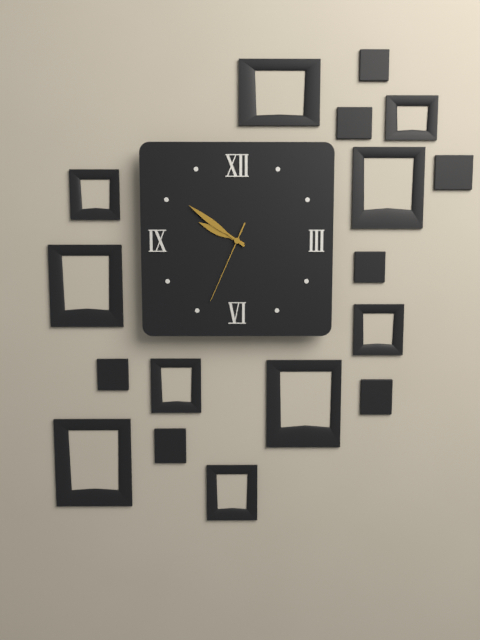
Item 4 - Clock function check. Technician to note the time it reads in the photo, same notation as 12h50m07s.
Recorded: 9h51m34s
